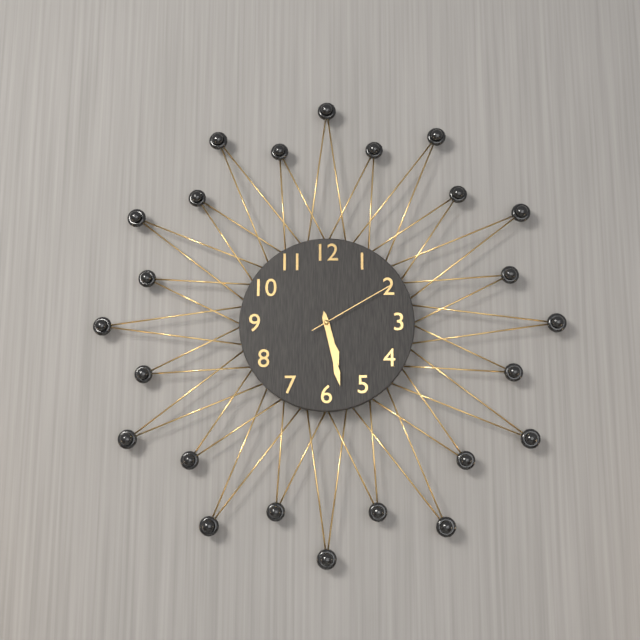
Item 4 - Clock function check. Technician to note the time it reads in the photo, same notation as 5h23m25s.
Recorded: 5h28m10s
